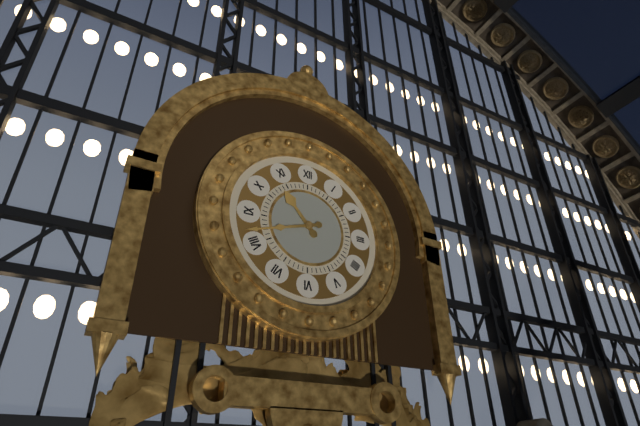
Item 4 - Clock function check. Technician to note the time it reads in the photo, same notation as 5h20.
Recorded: 10h42
